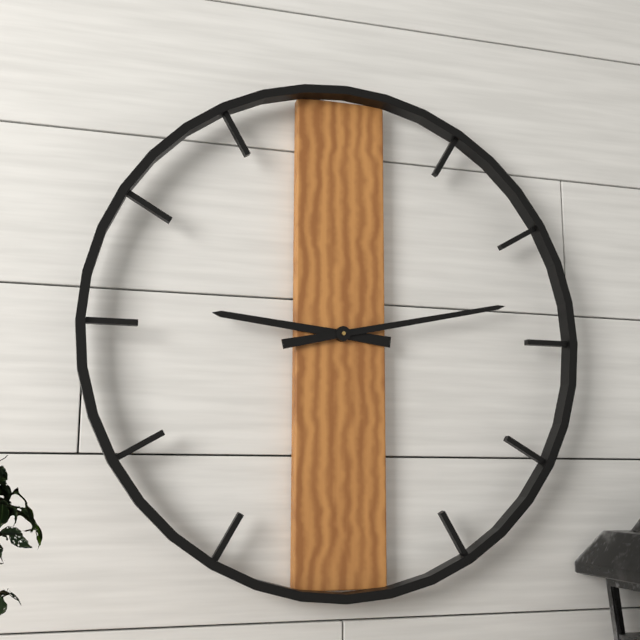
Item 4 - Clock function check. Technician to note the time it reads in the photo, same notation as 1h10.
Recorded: 9h13
